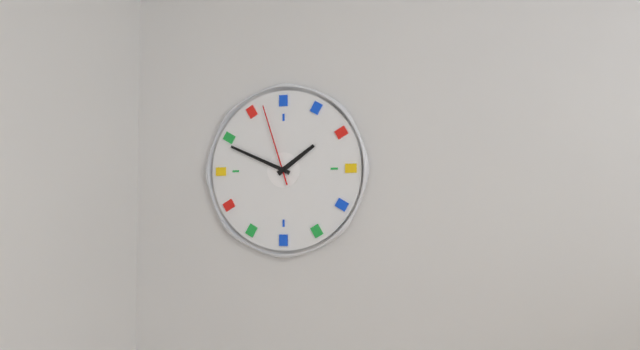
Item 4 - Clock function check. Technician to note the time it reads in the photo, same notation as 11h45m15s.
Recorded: 1h49m57s
